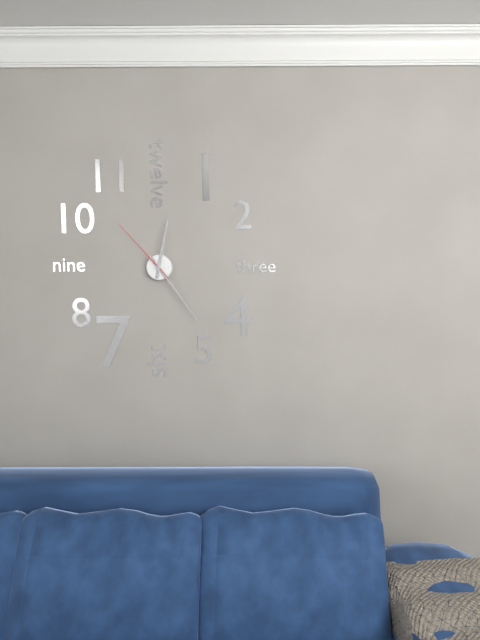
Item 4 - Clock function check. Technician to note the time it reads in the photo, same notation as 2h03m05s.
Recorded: 12h24m53s
